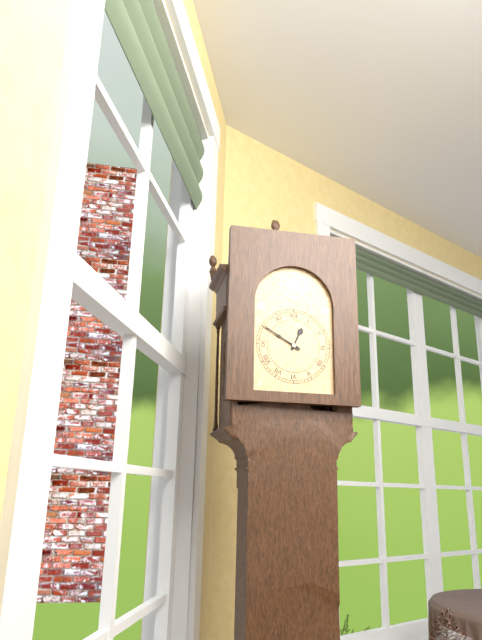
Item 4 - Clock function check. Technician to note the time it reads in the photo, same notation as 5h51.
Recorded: 12h50
